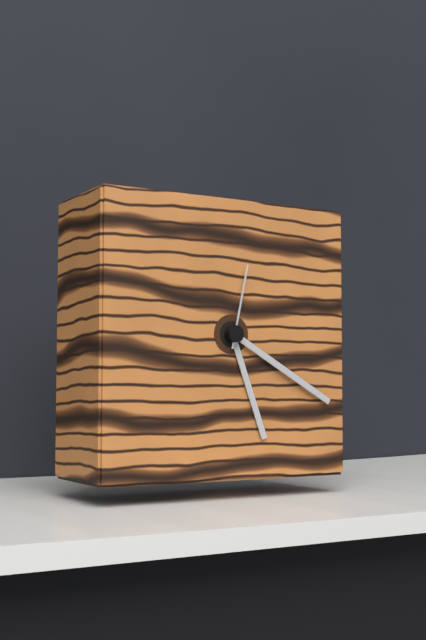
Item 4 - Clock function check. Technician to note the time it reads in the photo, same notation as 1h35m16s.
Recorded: 5h20m02s
